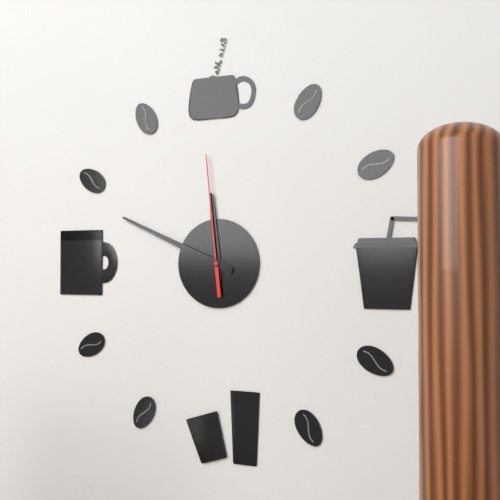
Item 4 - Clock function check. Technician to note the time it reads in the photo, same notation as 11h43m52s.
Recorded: 11h49m59s
